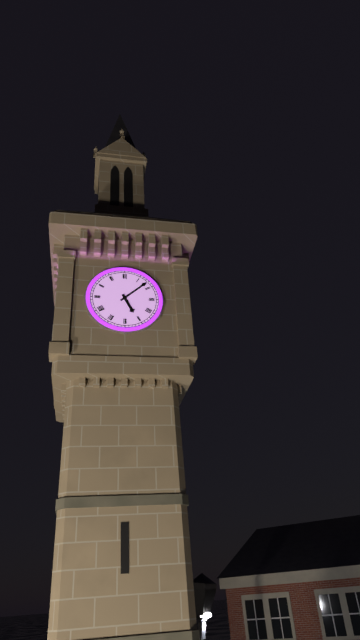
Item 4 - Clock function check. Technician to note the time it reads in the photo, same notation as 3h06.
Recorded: 5h08
